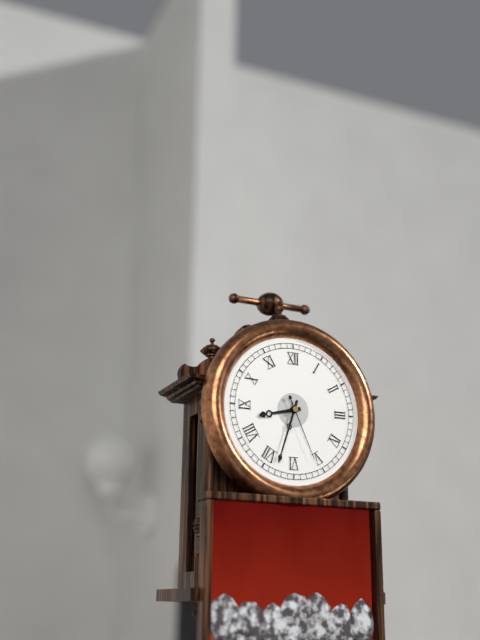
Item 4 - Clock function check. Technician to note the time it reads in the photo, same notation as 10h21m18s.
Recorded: 8h33m26s
